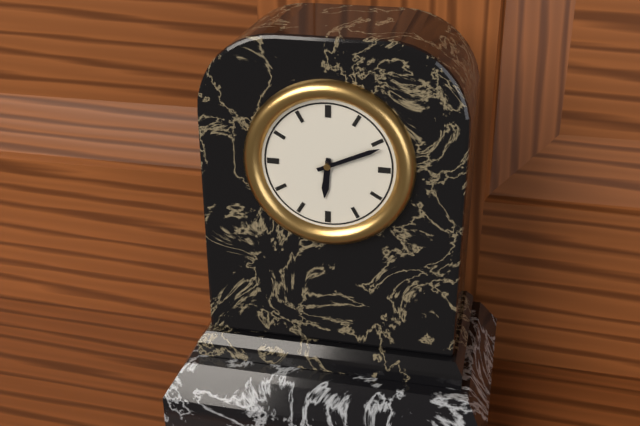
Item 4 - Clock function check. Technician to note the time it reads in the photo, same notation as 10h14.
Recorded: 6h11
